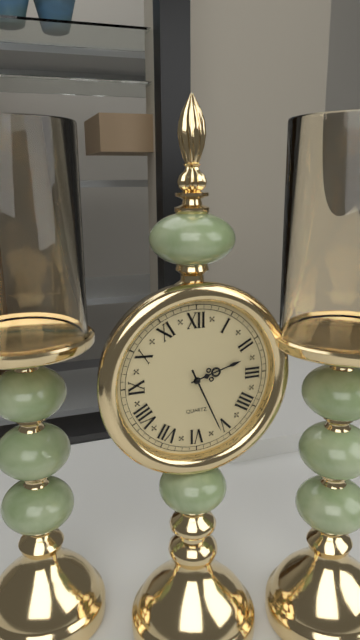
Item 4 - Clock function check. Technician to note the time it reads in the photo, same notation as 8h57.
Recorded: 2h26
